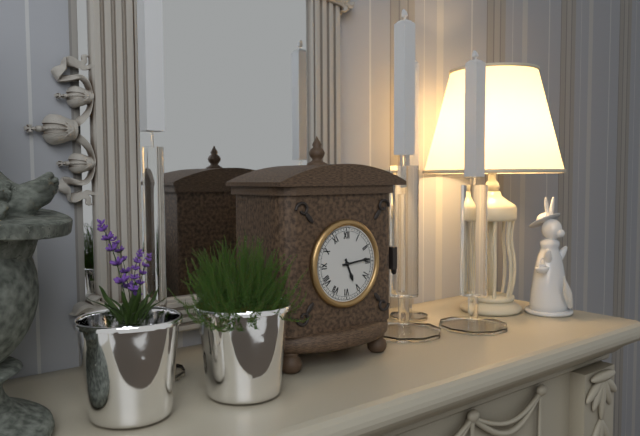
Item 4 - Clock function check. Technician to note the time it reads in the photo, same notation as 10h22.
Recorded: 5h14
